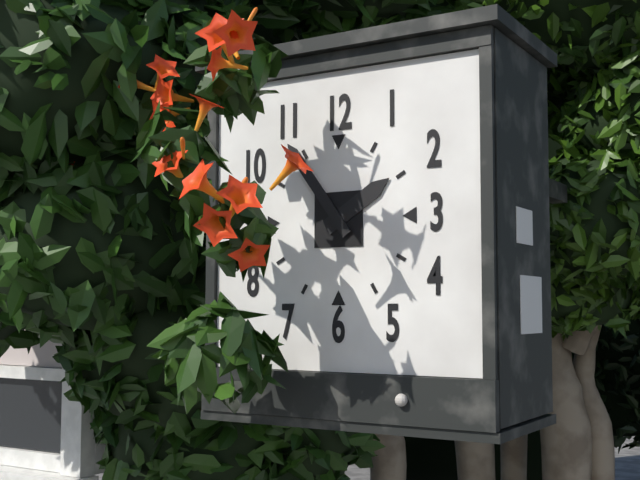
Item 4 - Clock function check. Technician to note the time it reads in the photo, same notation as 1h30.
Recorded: 1h54
